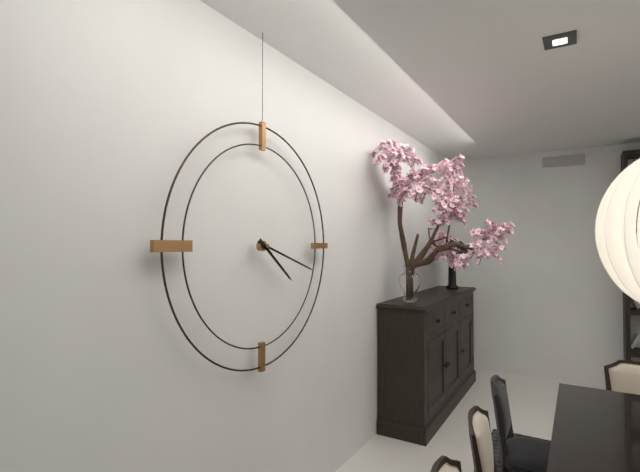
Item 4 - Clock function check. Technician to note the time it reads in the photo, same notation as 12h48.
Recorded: 4h18
